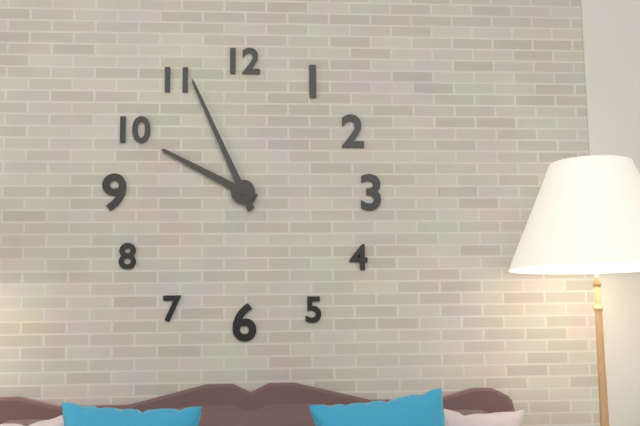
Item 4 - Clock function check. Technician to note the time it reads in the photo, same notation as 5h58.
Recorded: 9h56
